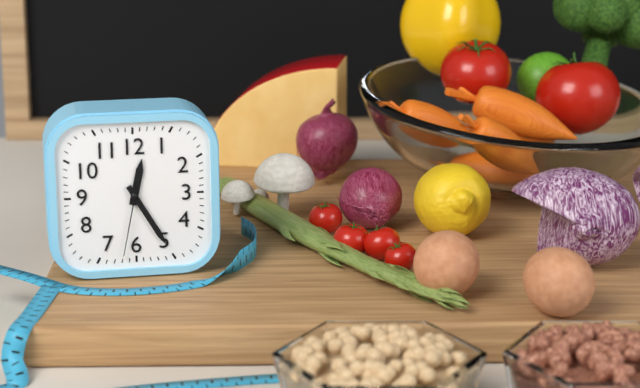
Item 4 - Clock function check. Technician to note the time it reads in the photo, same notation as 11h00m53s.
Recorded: 12h25m32s
